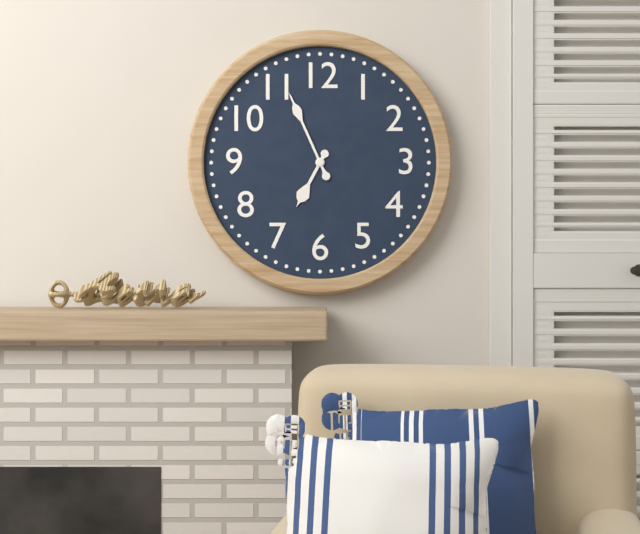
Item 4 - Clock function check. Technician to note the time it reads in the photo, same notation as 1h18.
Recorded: 6h56
